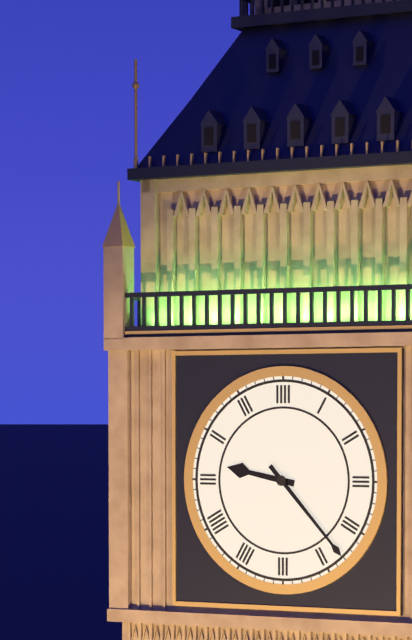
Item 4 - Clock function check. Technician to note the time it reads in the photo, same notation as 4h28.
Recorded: 9h23
